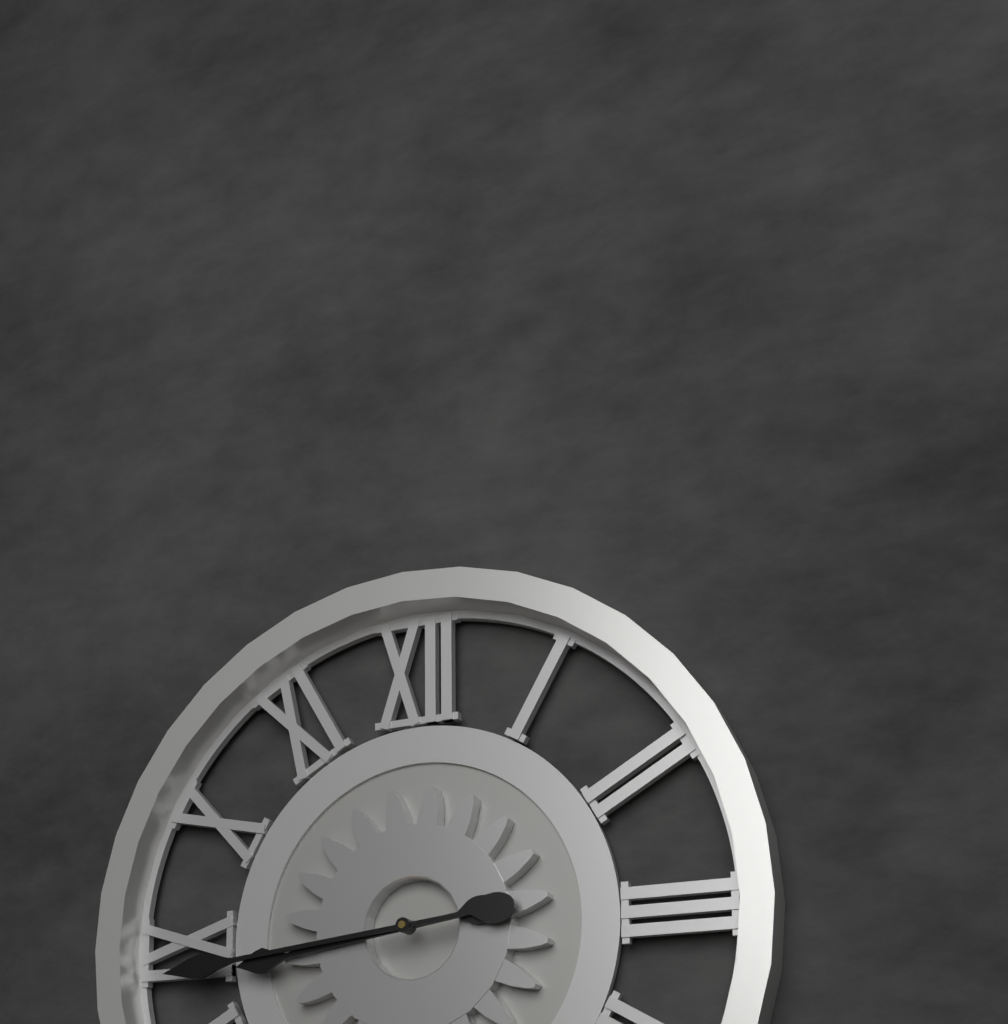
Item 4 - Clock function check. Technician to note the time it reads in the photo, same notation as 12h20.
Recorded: 8h44
